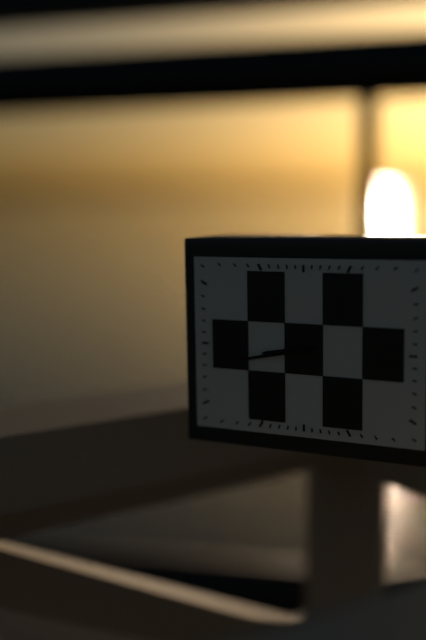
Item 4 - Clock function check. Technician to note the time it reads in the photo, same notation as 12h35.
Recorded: 8h43
